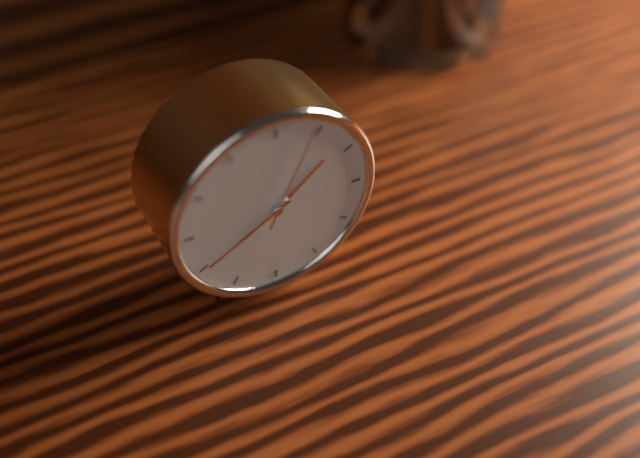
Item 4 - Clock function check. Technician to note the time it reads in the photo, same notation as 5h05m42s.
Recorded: 1h40m04s
